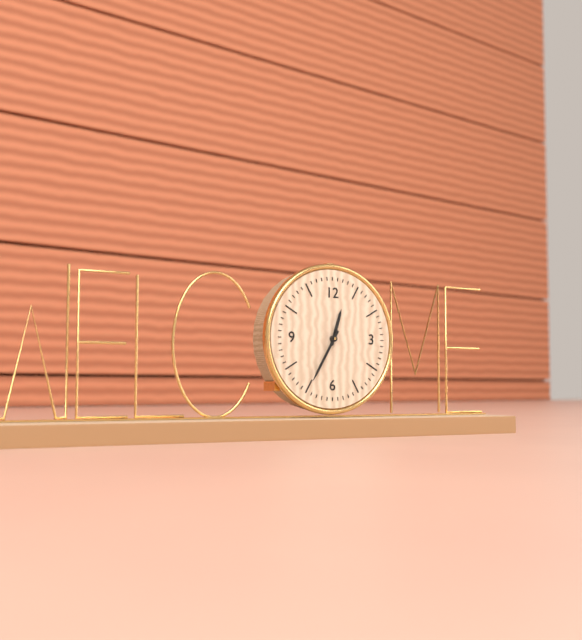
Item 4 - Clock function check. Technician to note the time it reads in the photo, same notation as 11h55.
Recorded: 12h35
